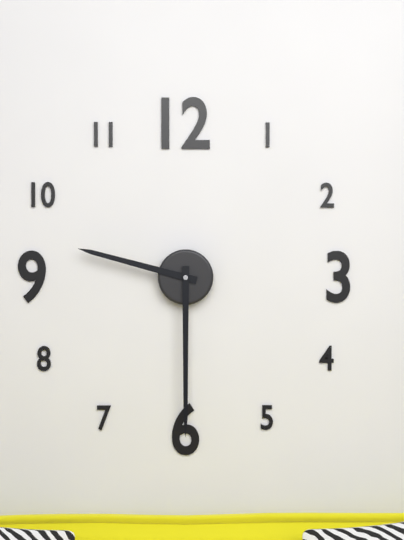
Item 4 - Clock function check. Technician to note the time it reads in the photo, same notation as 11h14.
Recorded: 9h30
